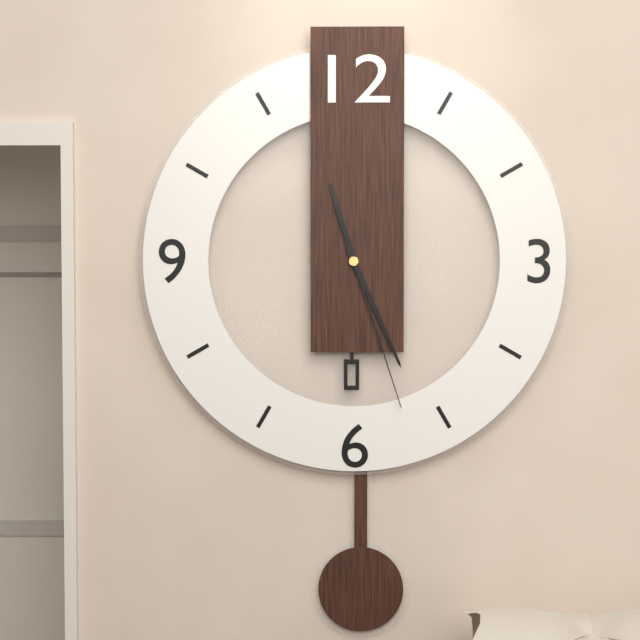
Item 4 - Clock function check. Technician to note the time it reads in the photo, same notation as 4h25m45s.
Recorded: 11h26m27s
